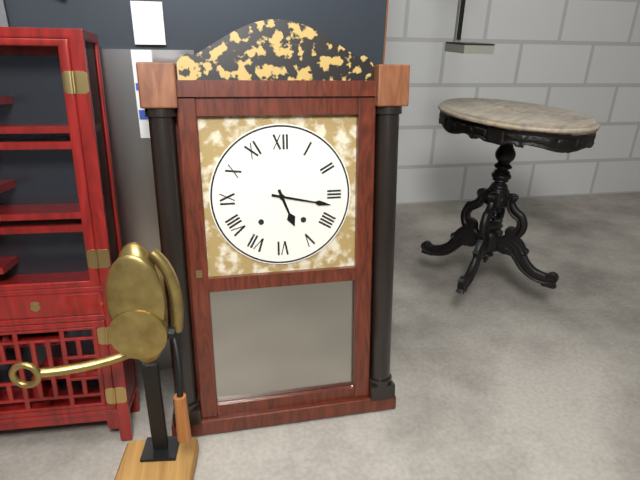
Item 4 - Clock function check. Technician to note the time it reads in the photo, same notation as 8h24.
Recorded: 5h17
